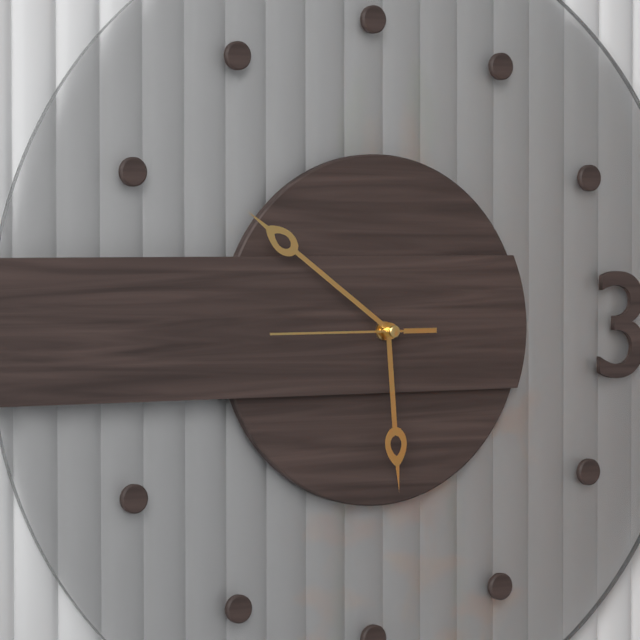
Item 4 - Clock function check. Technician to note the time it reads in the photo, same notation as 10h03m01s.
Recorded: 5h51m45s
